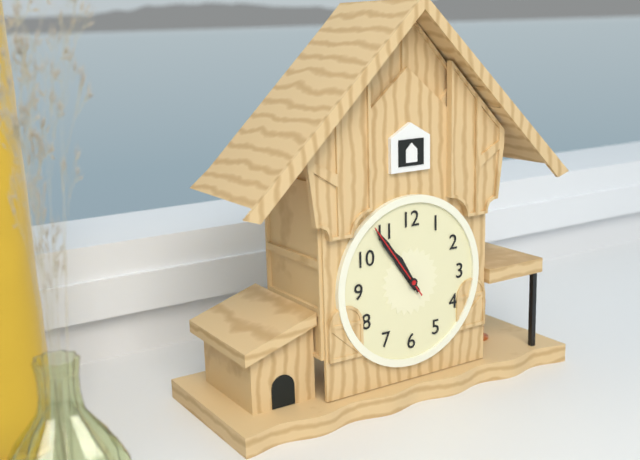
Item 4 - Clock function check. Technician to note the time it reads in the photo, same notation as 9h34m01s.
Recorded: 10h54m54s
